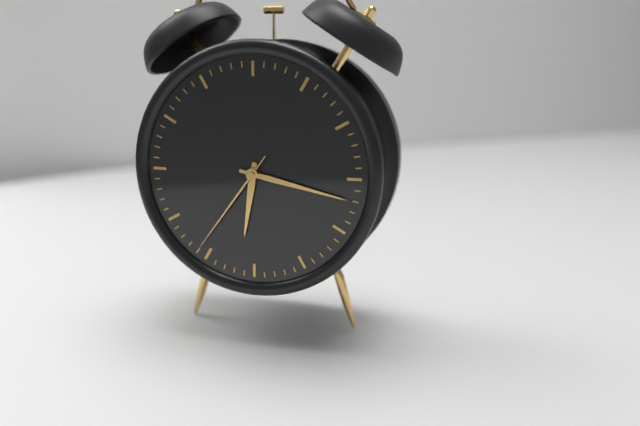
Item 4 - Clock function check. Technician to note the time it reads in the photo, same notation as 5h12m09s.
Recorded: 6h17m36s
